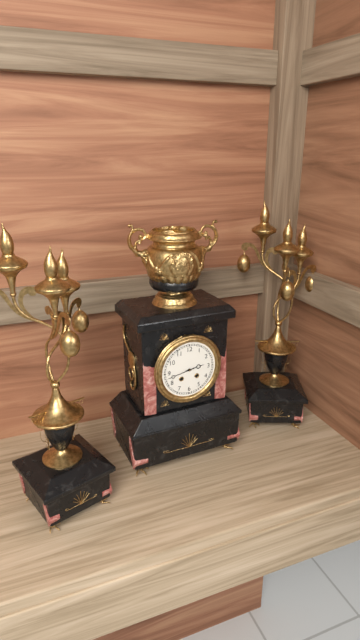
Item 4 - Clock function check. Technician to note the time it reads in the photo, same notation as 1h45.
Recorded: 2h43
